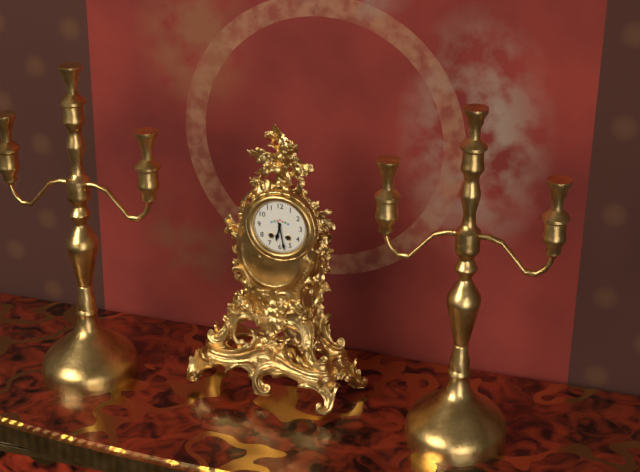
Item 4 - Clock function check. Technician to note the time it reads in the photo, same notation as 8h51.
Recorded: 6h28
